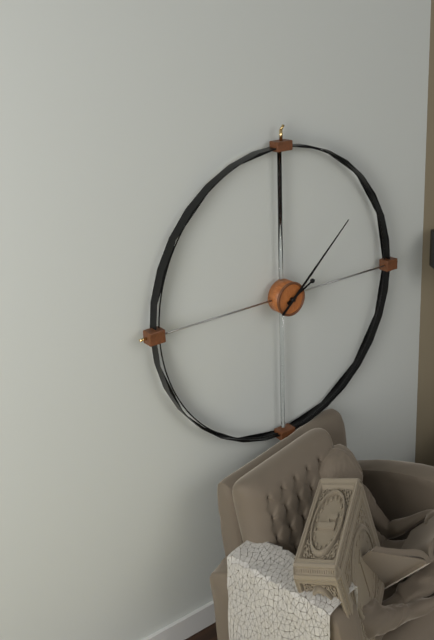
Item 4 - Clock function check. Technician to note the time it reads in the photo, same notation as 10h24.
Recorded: 2h08
